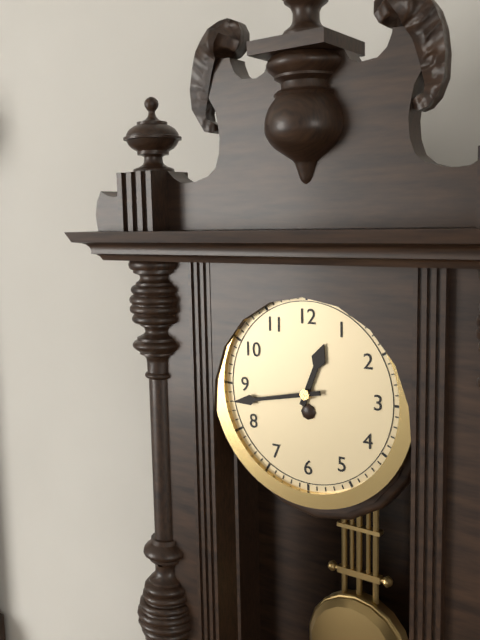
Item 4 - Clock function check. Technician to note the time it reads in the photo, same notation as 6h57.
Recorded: 12h43
